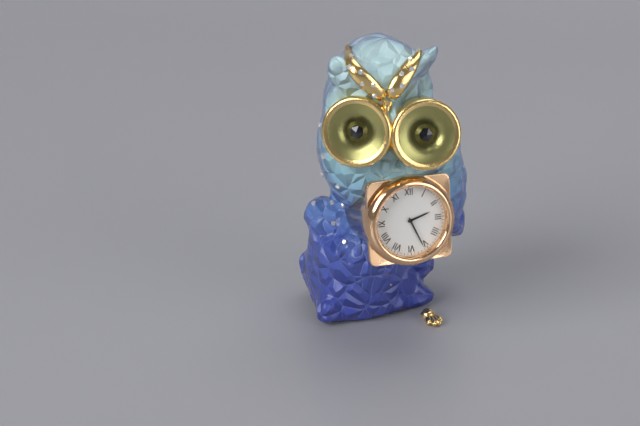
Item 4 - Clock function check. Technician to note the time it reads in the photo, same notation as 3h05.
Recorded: 2h26
